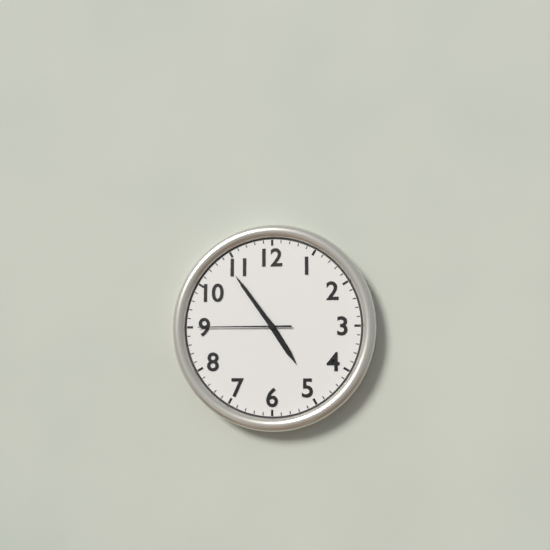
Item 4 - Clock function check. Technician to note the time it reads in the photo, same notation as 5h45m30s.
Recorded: 4h54m45s
